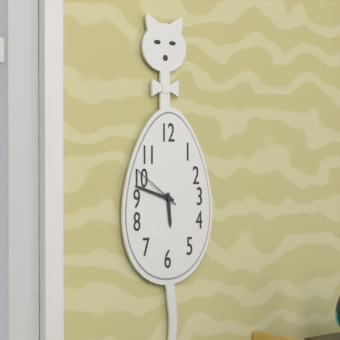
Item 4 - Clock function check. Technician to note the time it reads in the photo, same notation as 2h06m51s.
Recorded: 5h48m51s
